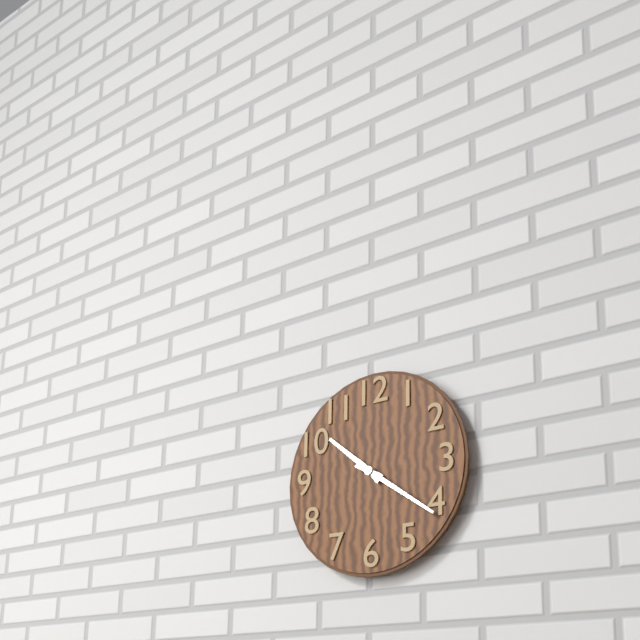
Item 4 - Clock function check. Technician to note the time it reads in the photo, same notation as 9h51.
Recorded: 10h21
